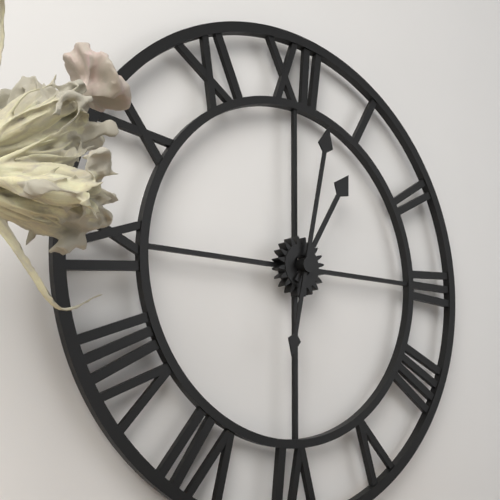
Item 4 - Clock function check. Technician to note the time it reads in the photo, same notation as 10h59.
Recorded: 1h02
